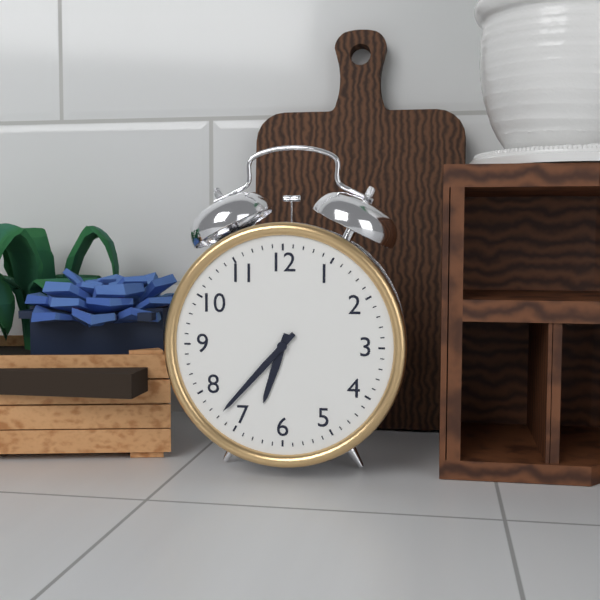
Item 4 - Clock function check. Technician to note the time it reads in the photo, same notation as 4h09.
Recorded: 6h37
